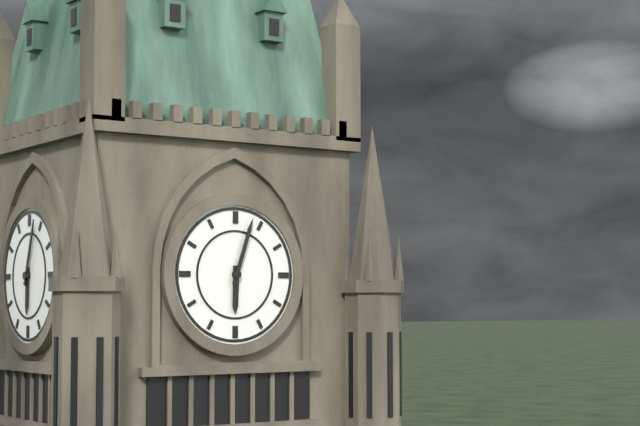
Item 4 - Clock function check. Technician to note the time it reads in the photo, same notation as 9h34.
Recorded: 6h03
